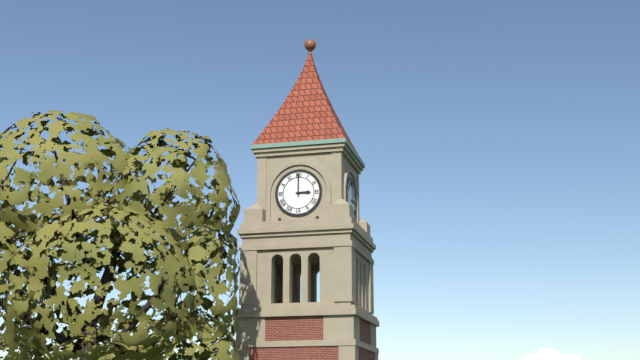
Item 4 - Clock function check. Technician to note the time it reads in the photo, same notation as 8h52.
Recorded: 3h00
